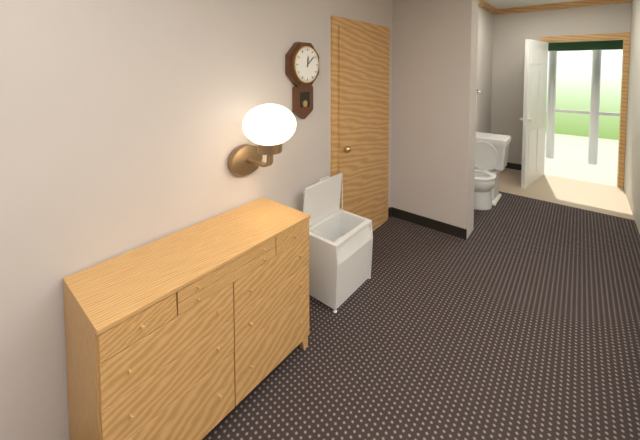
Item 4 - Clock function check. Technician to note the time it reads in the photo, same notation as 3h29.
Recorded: 12h08
